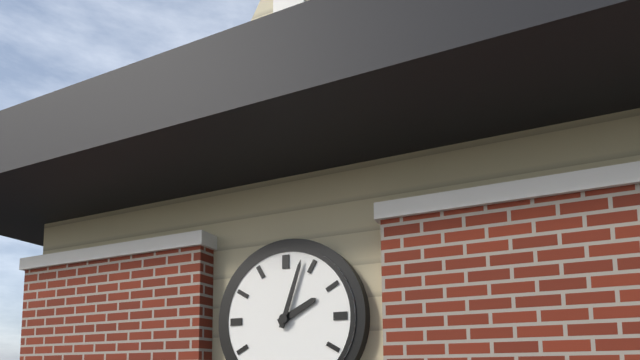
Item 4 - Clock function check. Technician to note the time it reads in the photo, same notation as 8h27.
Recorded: 2h03
